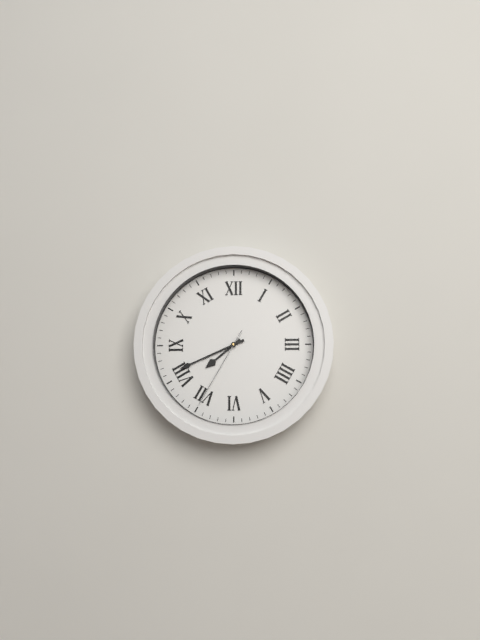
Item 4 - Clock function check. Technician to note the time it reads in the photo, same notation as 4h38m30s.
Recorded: 7h41m35s
